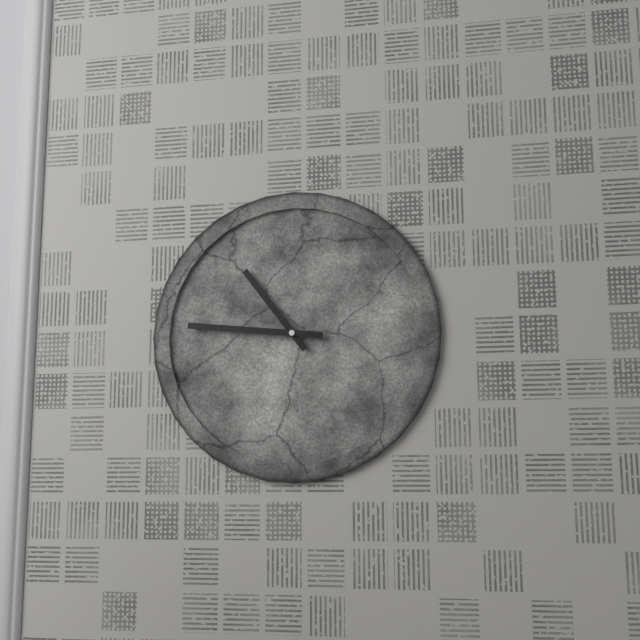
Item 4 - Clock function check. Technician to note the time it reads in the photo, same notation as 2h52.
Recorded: 10h46
